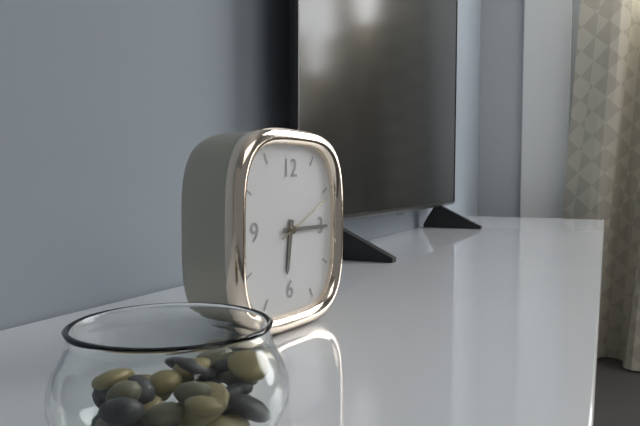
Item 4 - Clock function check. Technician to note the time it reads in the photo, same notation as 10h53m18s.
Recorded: 6h15m11s
